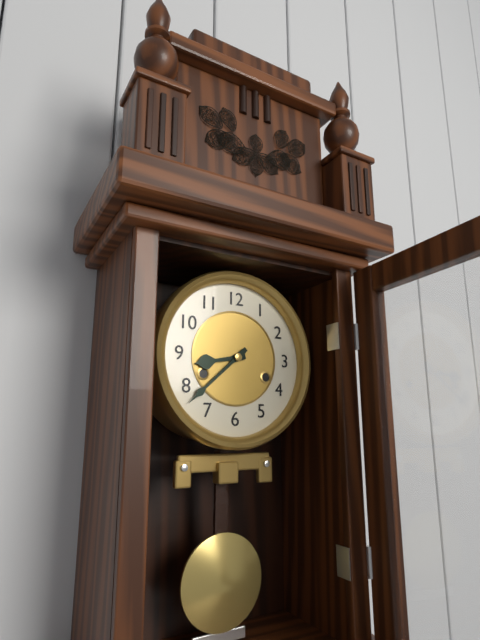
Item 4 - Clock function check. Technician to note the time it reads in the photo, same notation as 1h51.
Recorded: 8h38
